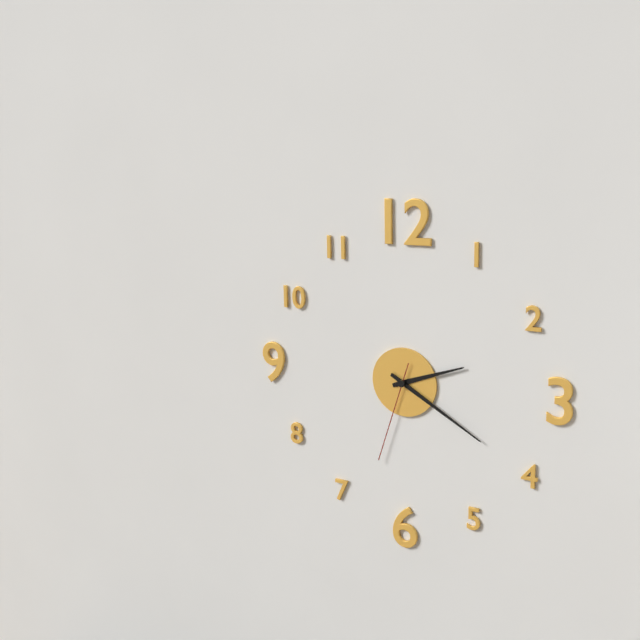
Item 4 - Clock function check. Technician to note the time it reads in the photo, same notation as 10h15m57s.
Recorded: 2h20m33s
